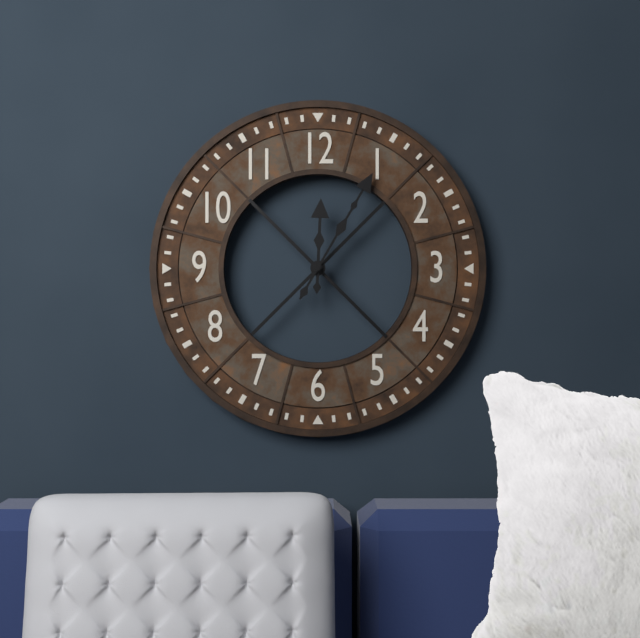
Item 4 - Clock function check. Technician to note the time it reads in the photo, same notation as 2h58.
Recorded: 12h05
